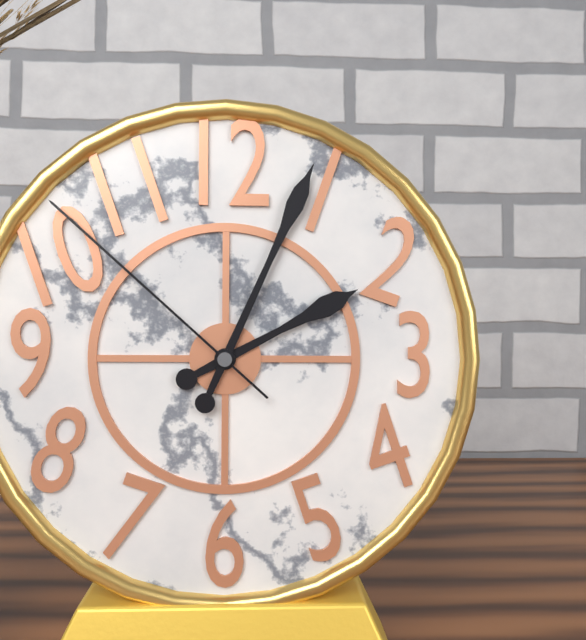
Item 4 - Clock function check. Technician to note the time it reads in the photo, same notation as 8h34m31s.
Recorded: 2h04m52s
